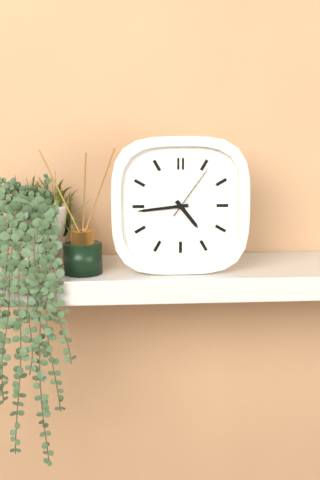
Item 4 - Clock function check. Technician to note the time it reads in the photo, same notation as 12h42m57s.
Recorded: 4h44m06s
